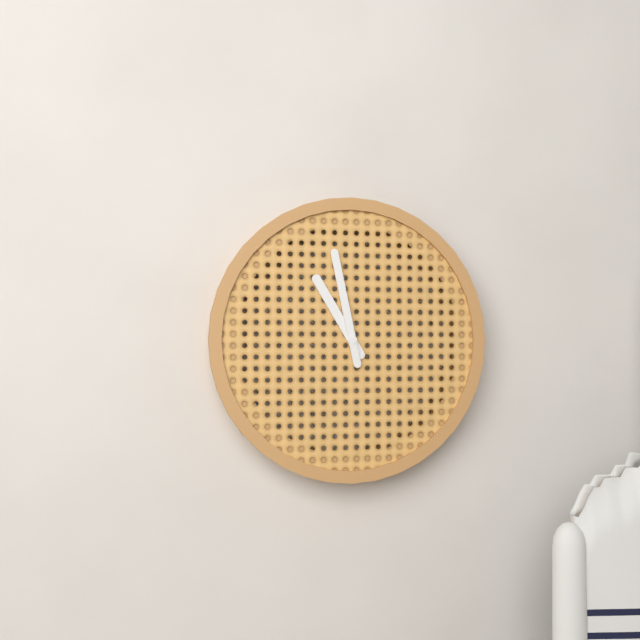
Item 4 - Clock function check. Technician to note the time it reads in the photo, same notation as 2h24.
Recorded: 10h58
